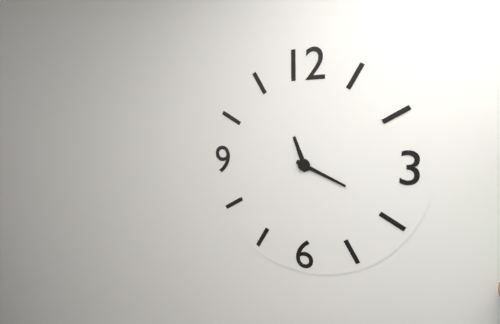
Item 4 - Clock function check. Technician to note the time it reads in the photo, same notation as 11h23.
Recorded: 11h19
